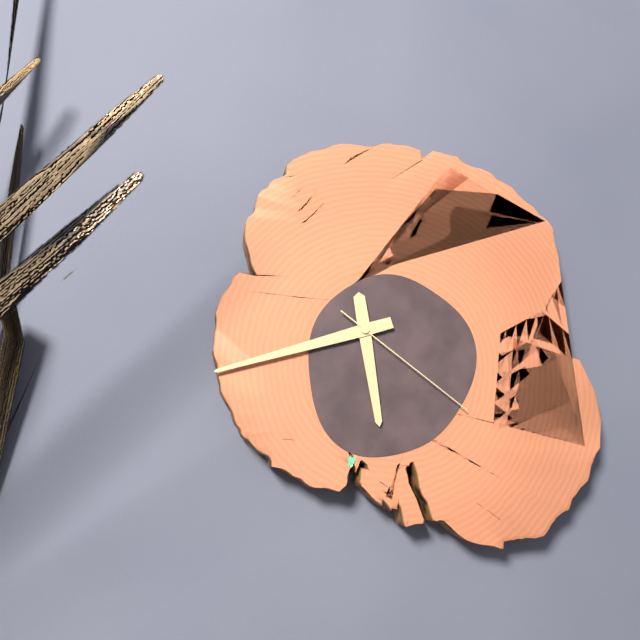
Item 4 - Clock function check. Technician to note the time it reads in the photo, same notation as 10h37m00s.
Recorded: 5h42m21s
